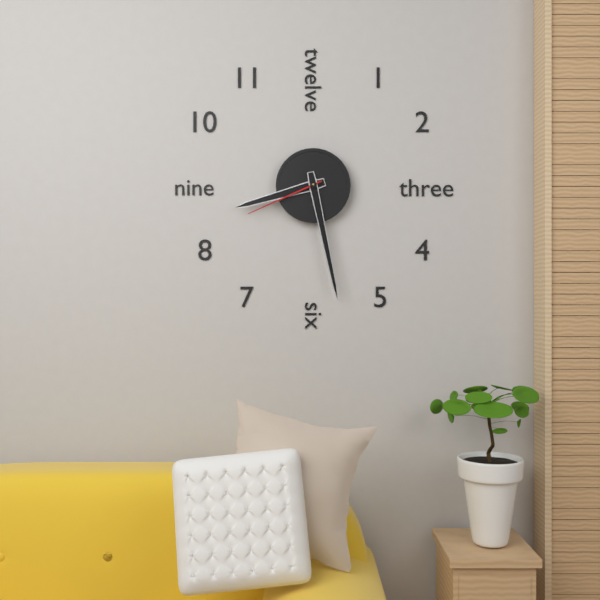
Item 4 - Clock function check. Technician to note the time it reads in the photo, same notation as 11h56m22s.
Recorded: 8h28m41s
